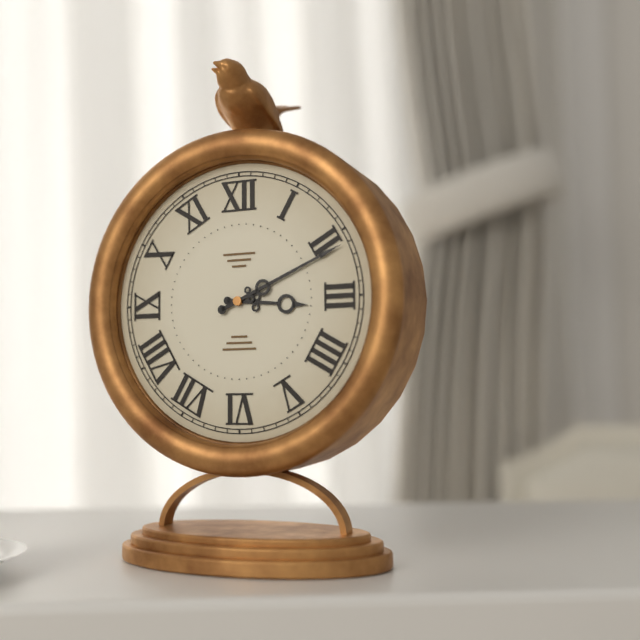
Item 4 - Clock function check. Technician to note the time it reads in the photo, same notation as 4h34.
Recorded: 3h11
